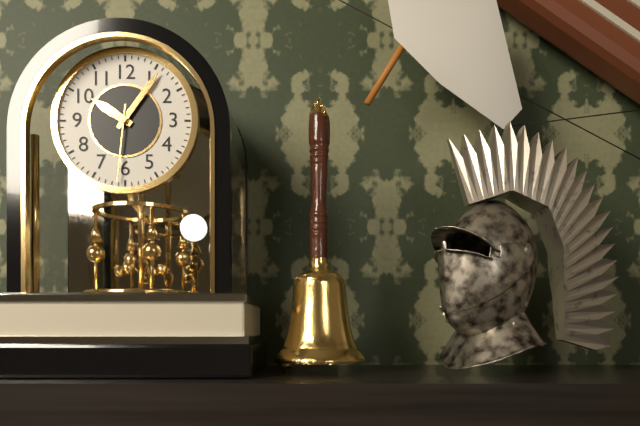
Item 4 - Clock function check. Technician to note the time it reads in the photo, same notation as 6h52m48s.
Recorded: 10h06m31s
